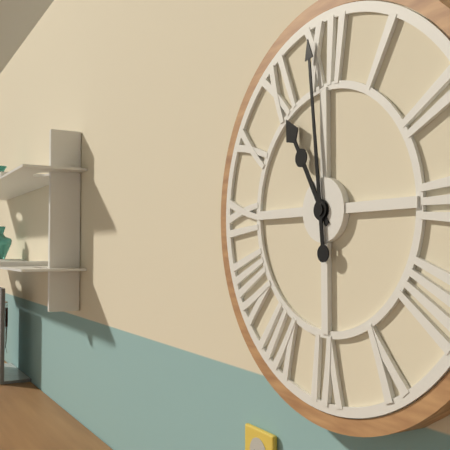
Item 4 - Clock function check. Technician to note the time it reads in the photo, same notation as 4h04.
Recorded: 10h59
